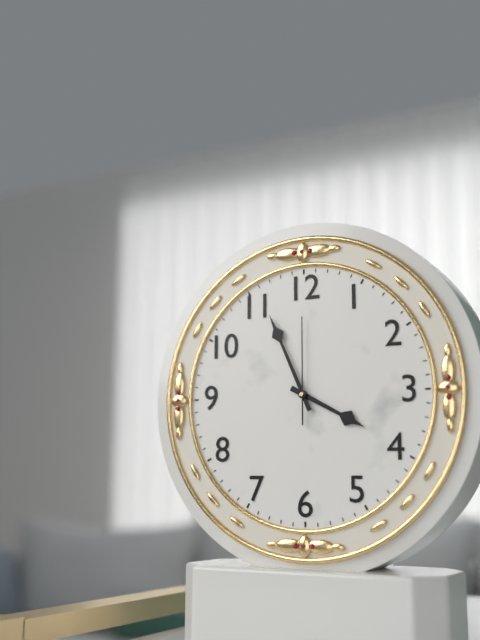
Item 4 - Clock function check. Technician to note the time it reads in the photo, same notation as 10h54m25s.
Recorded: 3h56m00s
